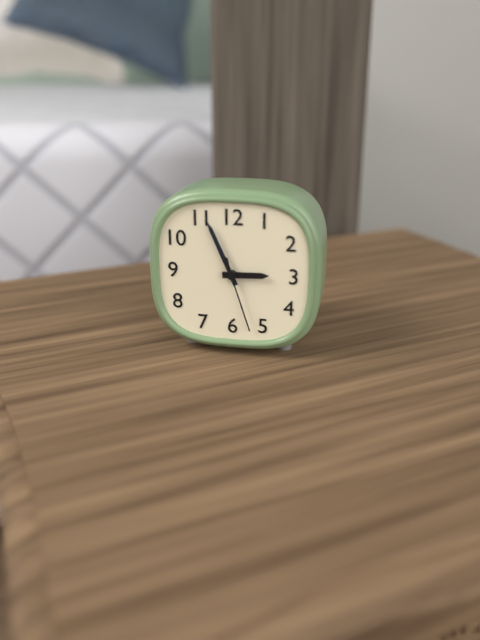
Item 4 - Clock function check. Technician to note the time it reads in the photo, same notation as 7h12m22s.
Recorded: 2h56m27s
